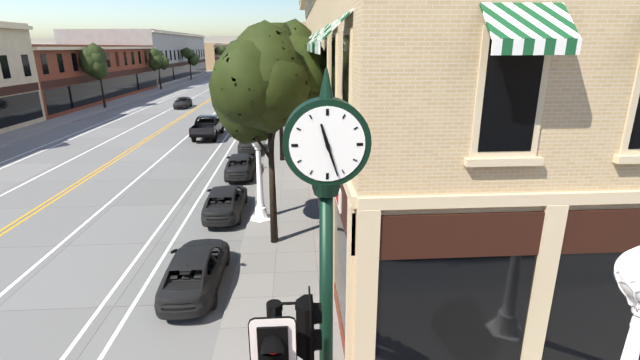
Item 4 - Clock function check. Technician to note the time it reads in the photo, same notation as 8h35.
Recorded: 11h27
